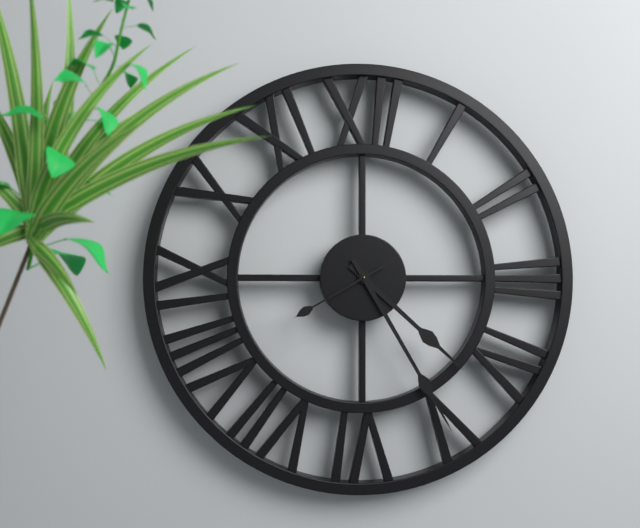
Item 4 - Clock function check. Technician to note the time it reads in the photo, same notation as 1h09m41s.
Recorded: 4h25m40s
